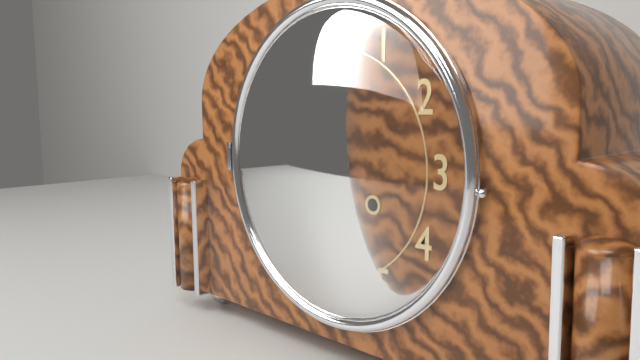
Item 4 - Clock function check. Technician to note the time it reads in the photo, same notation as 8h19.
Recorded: 5h44
